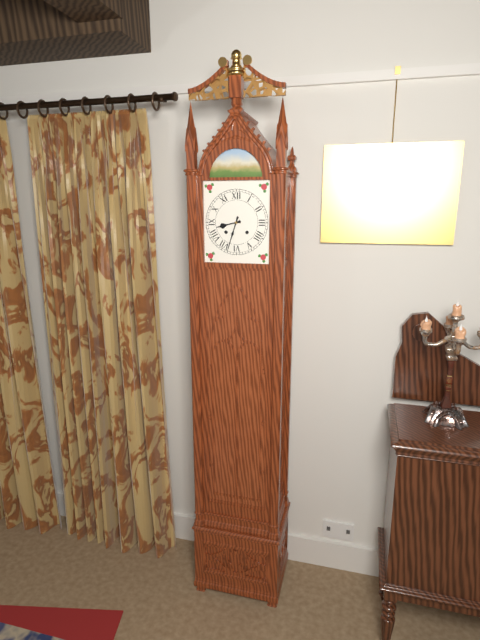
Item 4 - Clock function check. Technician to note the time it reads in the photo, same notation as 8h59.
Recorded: 8h33
